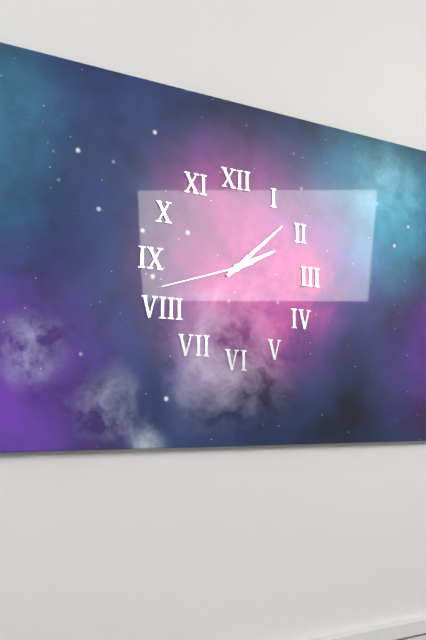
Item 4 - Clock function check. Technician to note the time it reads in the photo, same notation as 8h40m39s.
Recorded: 2h08m42s
